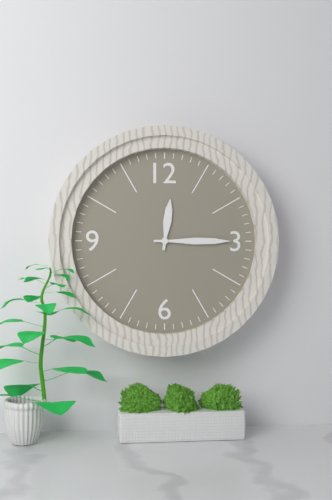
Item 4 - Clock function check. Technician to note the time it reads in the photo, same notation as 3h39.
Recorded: 12h15
